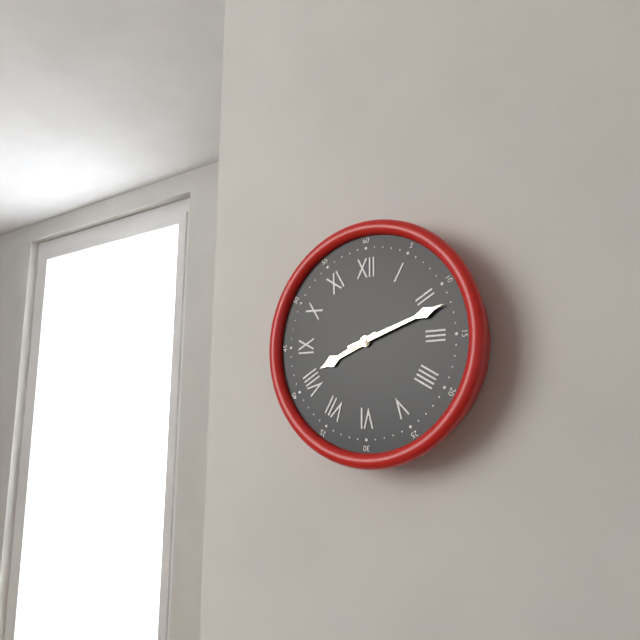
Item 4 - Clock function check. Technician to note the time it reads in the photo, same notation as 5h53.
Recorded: 8h12
